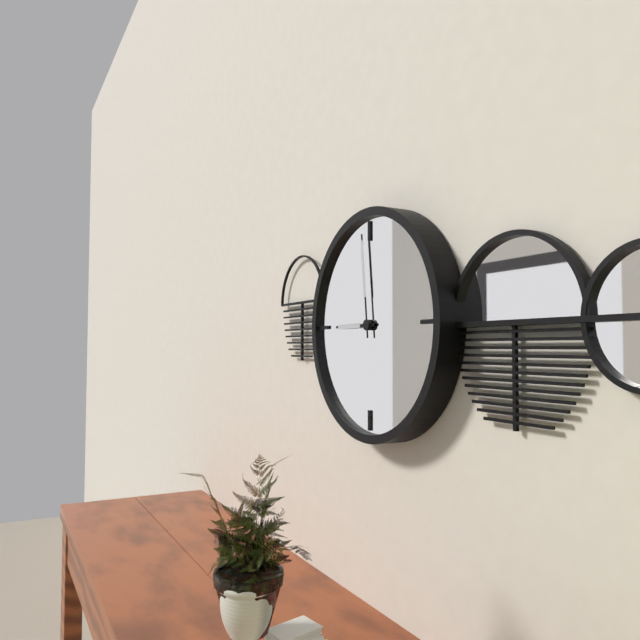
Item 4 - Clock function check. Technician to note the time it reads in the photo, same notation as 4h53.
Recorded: 8h59
